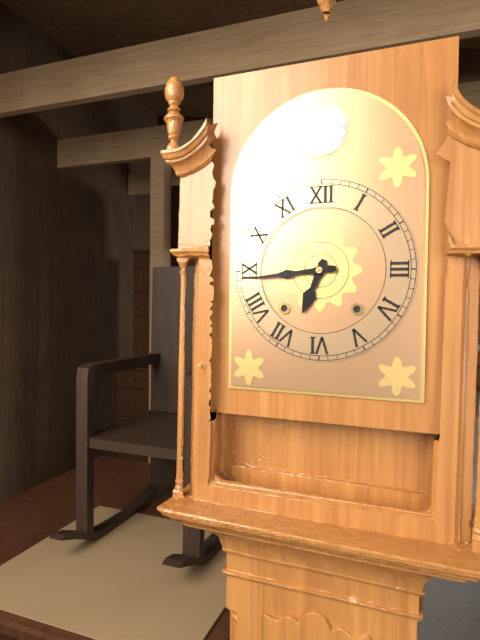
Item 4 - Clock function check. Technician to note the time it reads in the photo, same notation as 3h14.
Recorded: 6h44
